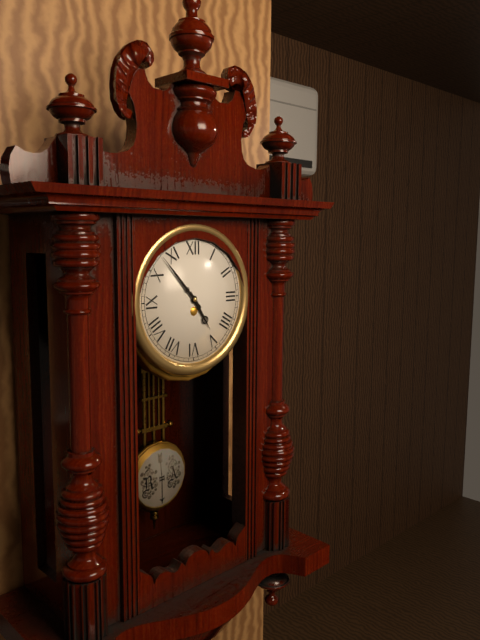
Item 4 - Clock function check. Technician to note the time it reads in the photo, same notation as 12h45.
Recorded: 4h53
